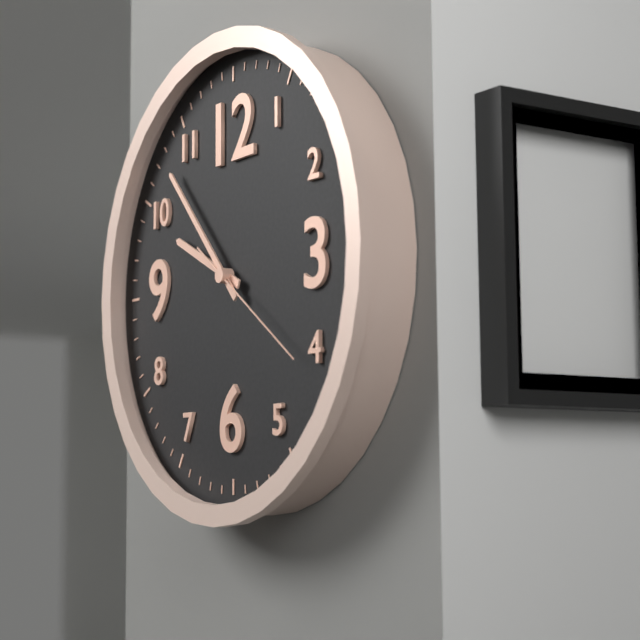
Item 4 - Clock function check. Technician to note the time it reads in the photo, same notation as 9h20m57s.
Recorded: 9h53m21s
